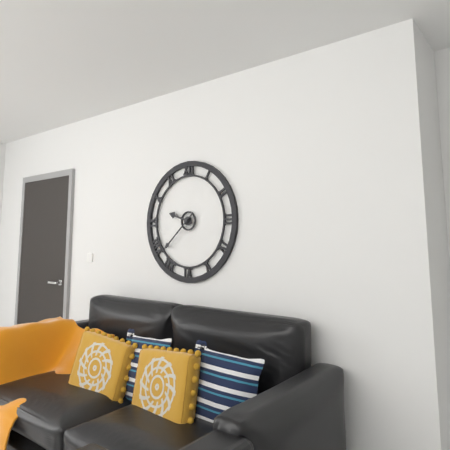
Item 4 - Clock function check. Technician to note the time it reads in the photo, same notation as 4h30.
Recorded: 9h38
